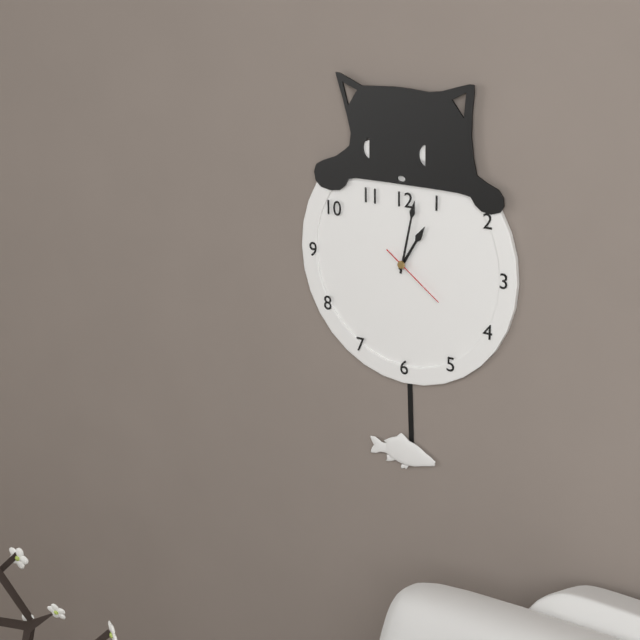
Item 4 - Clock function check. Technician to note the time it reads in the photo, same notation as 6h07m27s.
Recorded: 1h02m21s
